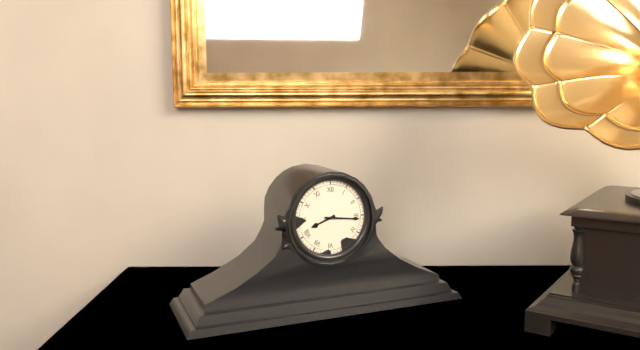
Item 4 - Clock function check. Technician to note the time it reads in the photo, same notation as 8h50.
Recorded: 8h16
